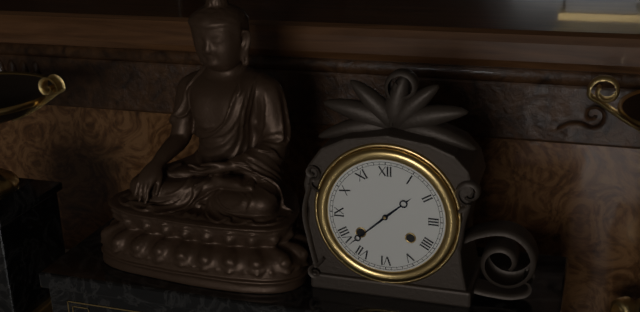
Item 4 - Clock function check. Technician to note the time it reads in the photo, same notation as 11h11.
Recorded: 1h38
